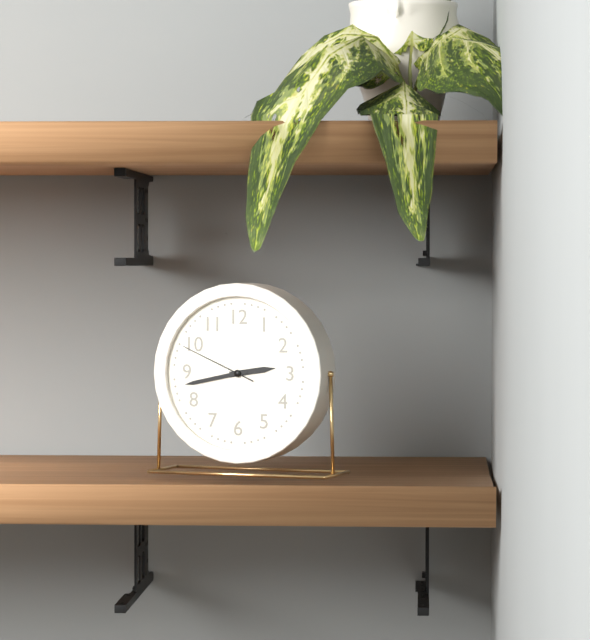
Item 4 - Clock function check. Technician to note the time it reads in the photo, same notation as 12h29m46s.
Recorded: 2h43m49s
